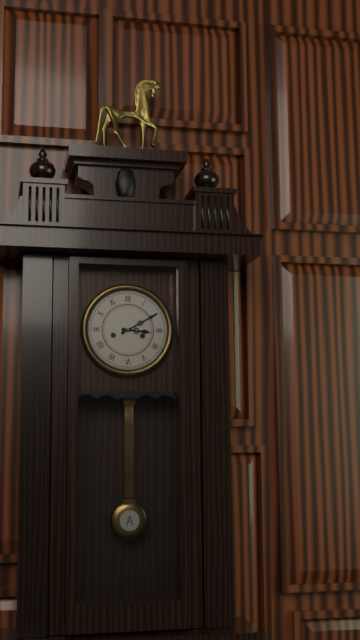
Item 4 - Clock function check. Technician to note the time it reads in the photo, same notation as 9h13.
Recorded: 3h10
